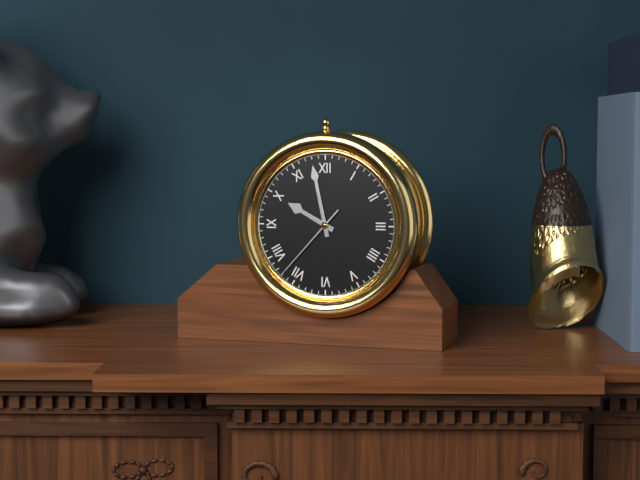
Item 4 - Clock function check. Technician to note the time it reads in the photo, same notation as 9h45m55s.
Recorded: 9h58m37s
